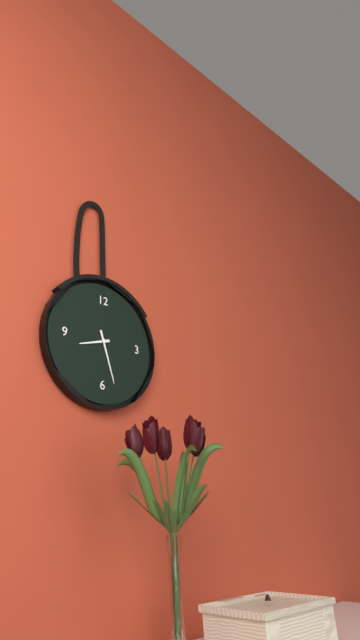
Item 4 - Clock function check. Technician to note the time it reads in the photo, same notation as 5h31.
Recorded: 8h27
